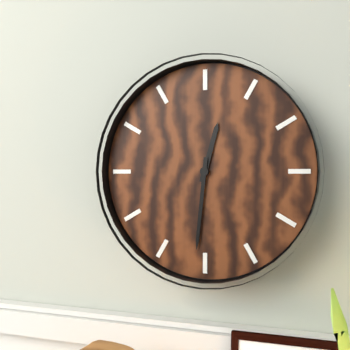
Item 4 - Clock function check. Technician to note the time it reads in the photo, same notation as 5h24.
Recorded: 12h31
